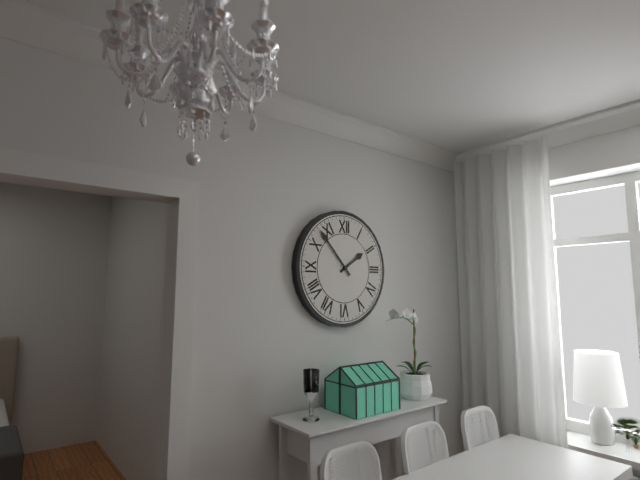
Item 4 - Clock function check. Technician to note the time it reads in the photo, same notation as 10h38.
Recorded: 1h53
